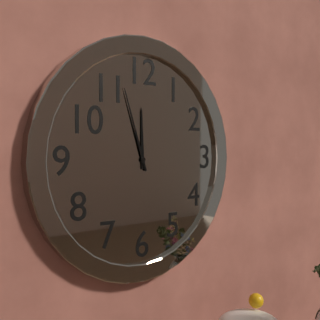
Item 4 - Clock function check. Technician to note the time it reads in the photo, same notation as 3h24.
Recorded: 11h57
